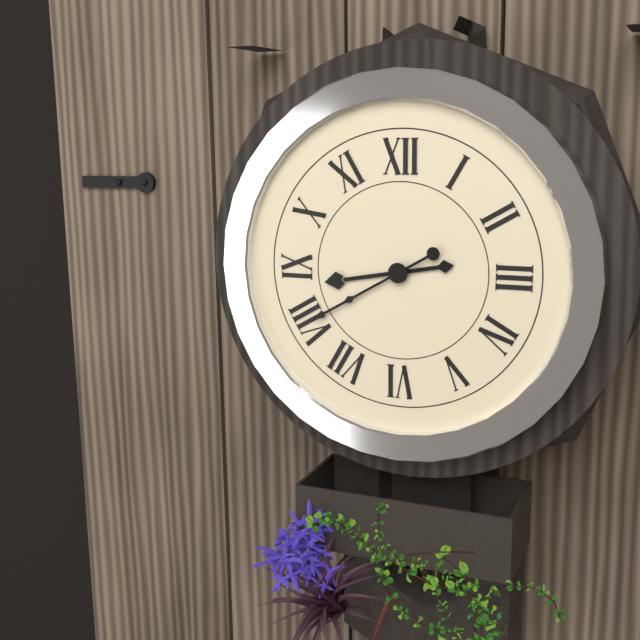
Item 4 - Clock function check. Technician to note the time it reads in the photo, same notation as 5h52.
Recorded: 8h40
